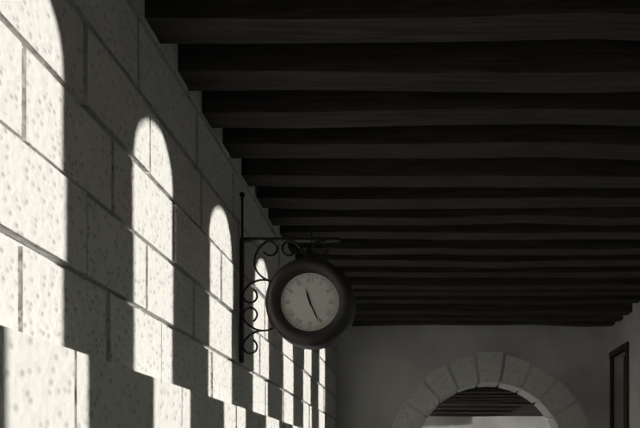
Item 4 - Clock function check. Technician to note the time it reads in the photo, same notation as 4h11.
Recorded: 11h26
